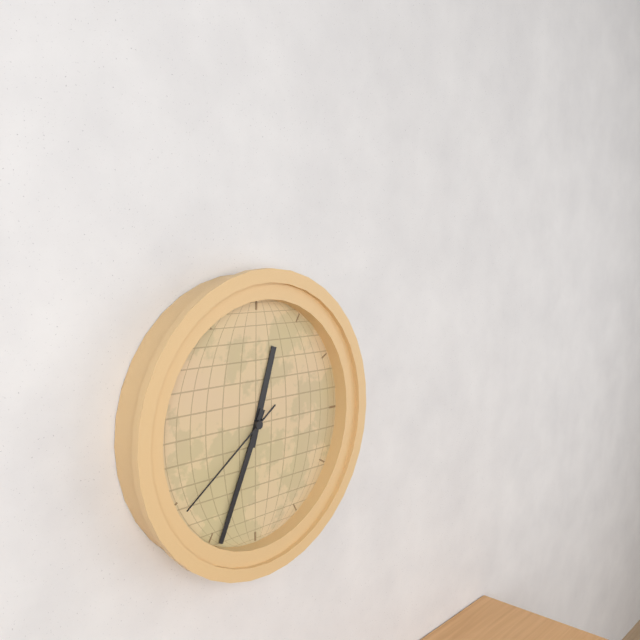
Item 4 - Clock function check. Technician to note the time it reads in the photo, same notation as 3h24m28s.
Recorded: 12h34m39s
